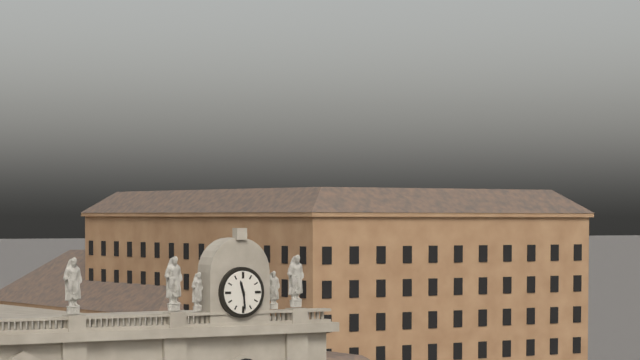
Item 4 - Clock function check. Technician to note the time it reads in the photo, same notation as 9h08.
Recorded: 11h29
